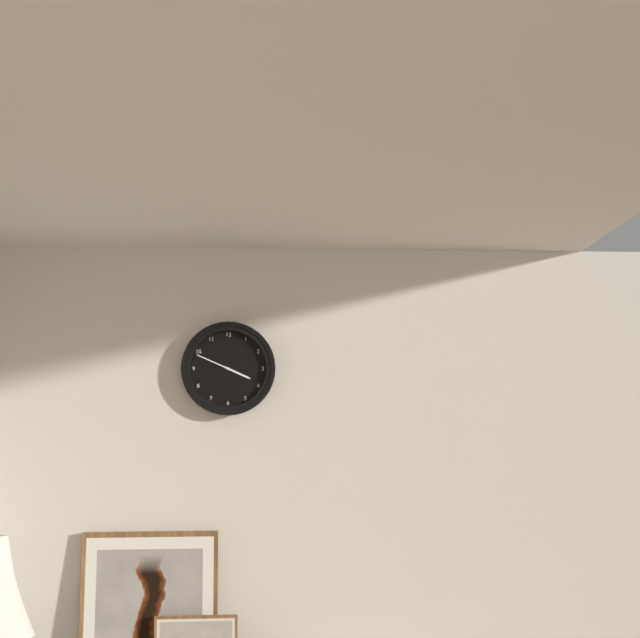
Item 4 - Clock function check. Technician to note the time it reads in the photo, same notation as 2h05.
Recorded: 3h49
